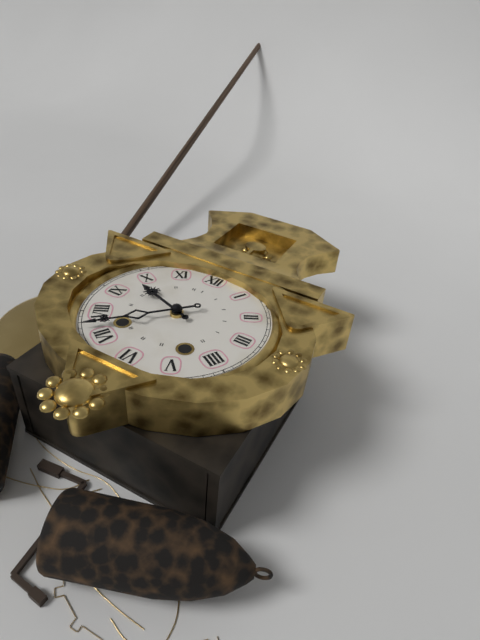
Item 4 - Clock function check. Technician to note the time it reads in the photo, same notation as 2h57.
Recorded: 9h37
